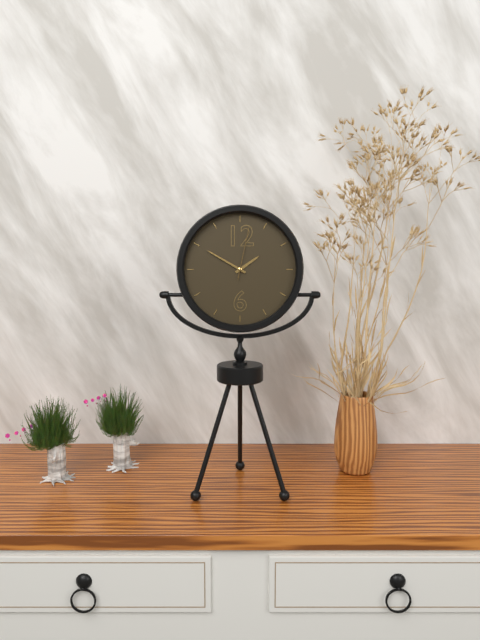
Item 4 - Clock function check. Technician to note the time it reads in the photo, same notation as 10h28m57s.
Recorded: 1h50m02s
